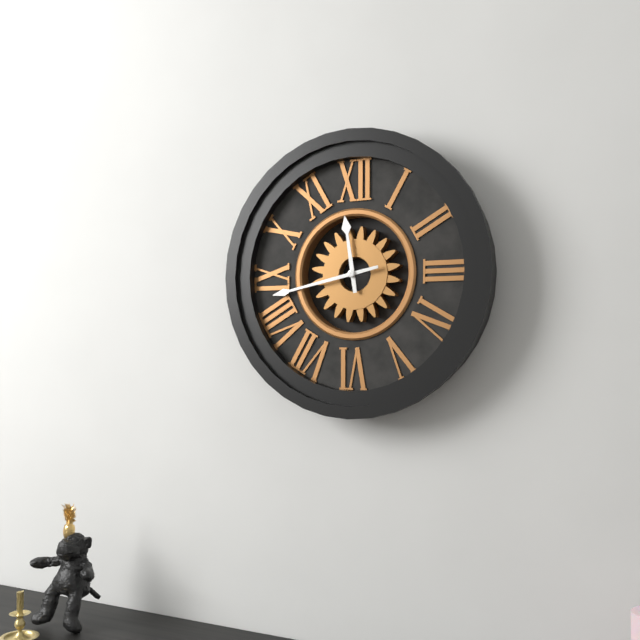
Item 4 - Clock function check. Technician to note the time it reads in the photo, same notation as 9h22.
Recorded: 11h43
